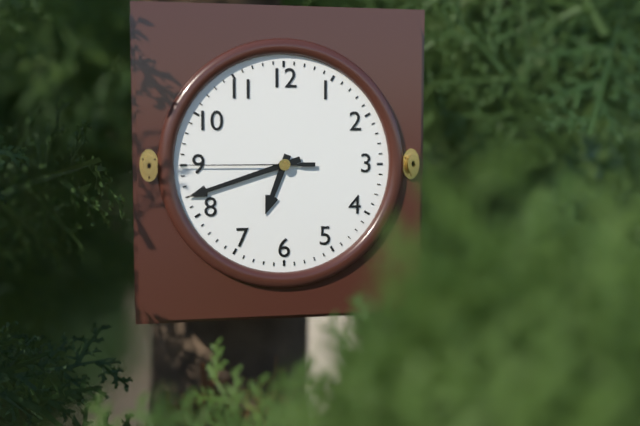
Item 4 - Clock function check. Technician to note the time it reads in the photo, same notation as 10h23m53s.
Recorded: 6h42m45s
